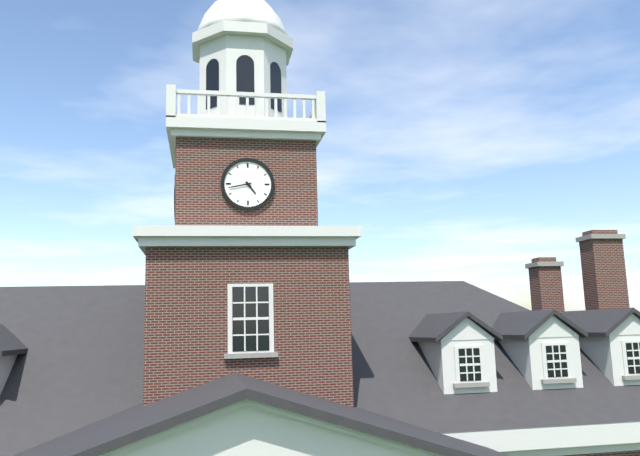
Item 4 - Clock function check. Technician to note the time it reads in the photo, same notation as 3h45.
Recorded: 4h43
